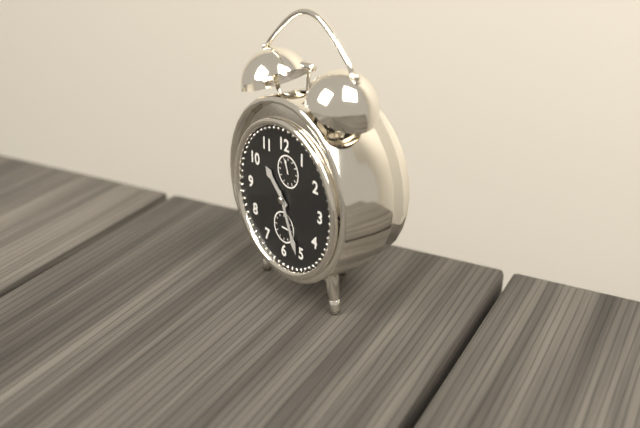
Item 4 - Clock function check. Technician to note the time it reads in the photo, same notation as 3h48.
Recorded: 10h26
